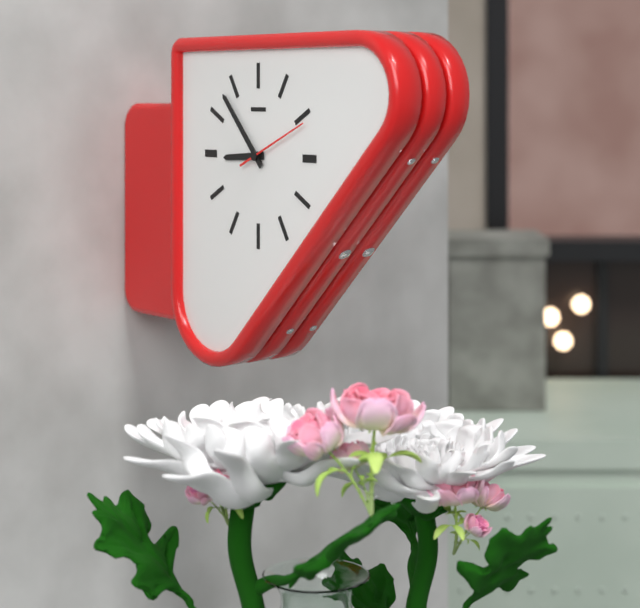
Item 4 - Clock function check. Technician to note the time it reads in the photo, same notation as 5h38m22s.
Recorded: 8h53m11s
